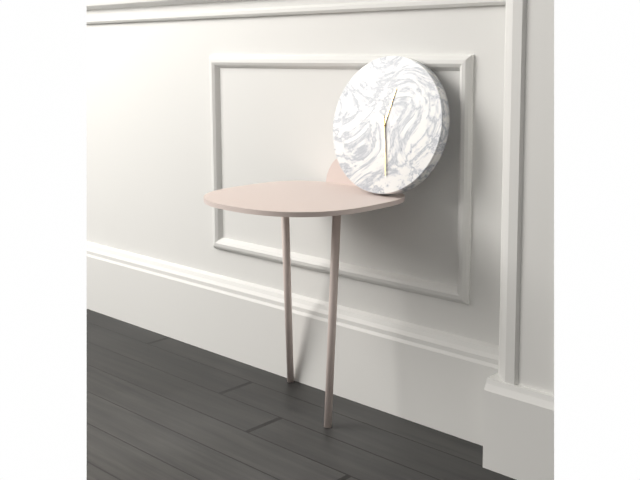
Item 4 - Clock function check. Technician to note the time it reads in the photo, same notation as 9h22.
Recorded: 12h28
